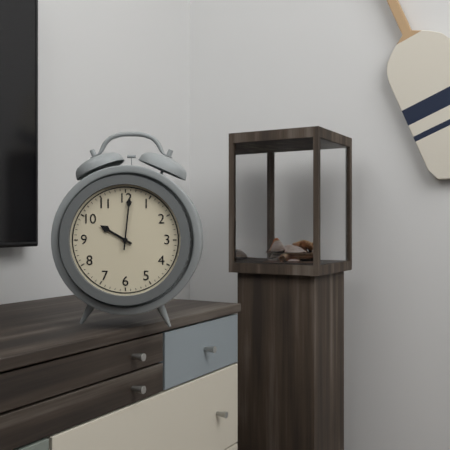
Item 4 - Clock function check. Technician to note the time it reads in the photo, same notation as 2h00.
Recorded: 10h01
